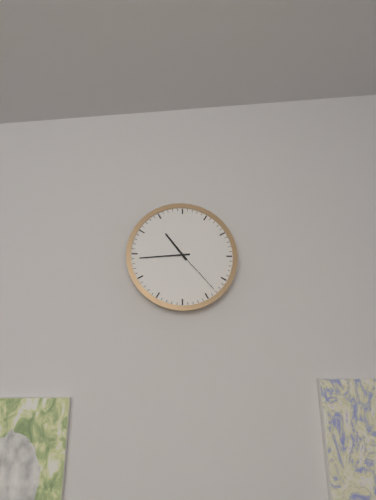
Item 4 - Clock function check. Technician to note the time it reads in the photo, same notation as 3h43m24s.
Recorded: 10h44m23s
